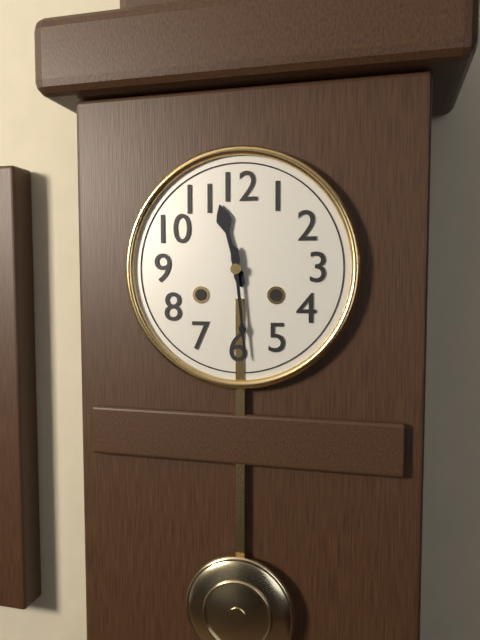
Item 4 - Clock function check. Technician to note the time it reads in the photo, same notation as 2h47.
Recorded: 11h29
